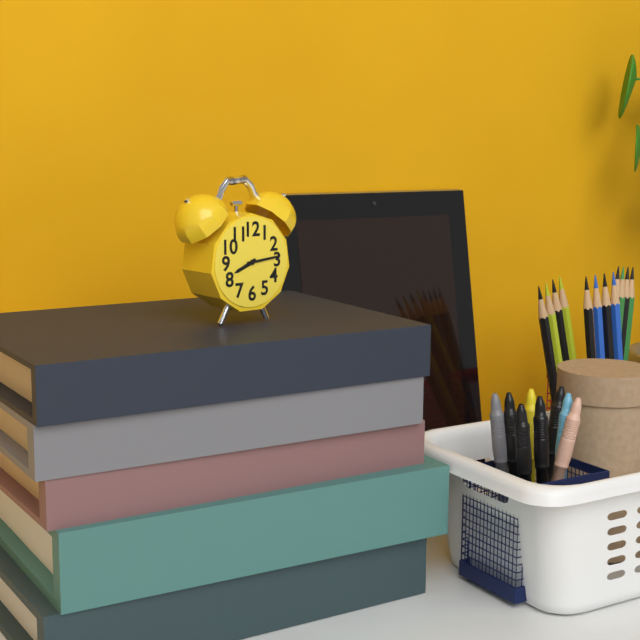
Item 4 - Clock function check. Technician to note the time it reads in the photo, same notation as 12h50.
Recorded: 8h14
